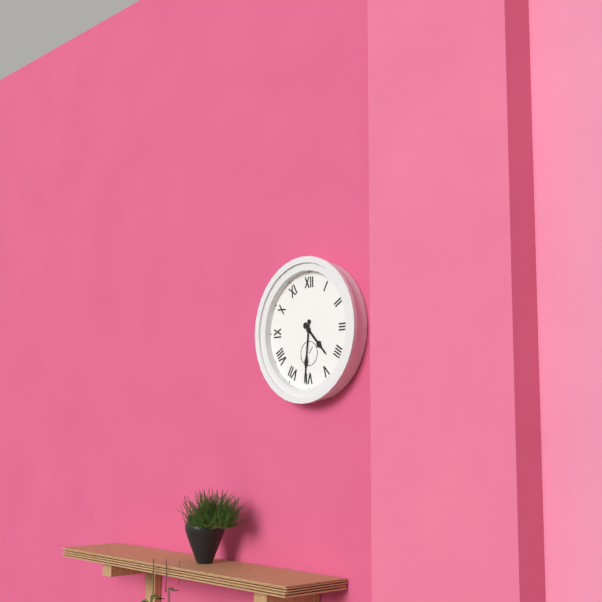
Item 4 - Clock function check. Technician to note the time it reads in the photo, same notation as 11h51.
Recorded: 4h31
